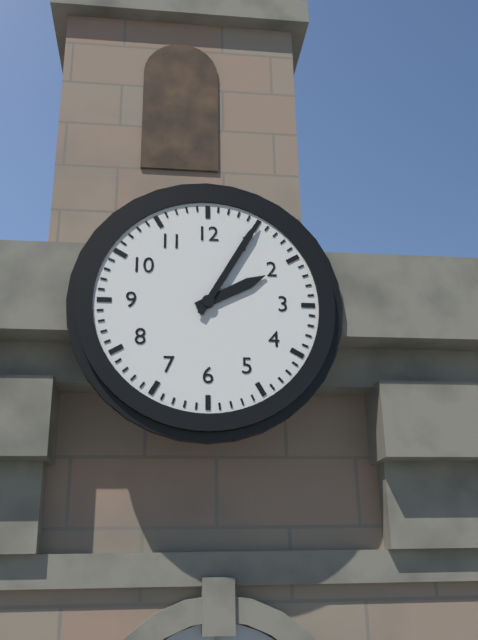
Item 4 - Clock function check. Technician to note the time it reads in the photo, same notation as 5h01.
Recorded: 2h05
